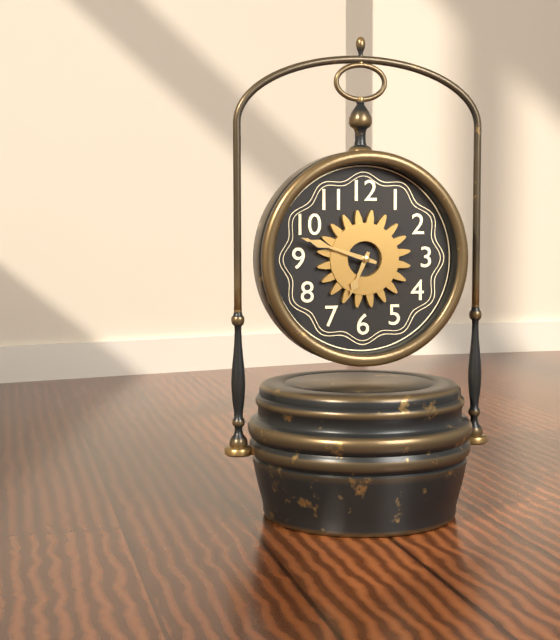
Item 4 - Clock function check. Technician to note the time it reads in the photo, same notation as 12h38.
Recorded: 6h48
